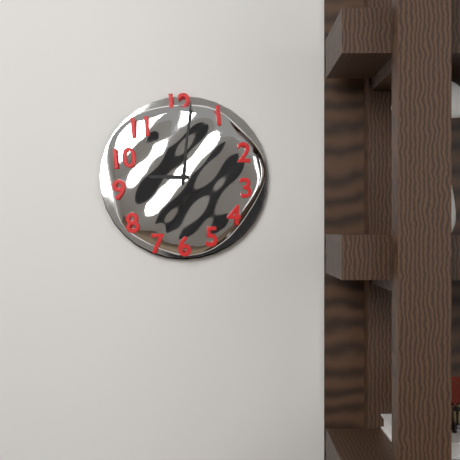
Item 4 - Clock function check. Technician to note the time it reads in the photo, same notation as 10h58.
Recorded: 9h01
